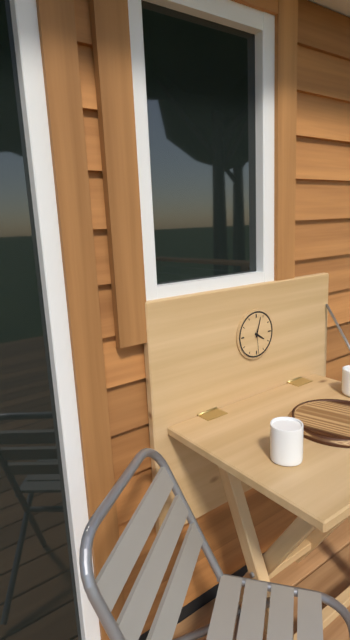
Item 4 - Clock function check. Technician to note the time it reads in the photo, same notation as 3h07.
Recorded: 4h03
